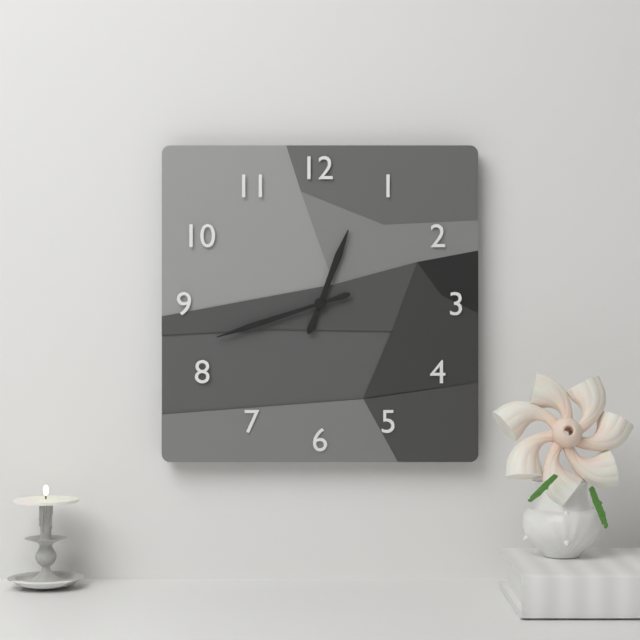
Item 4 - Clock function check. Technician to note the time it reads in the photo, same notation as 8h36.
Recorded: 12h42
